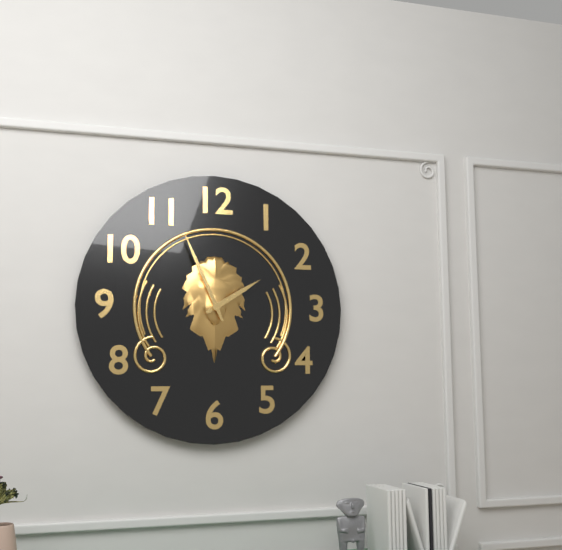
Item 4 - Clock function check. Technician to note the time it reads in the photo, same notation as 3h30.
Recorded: 1h56
